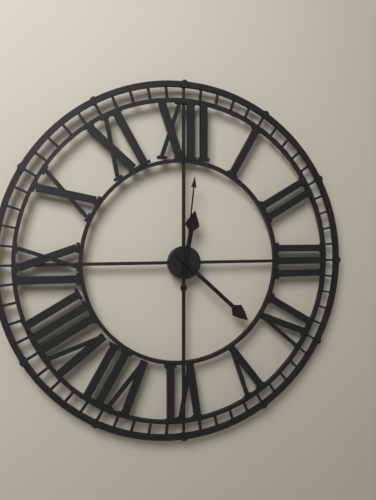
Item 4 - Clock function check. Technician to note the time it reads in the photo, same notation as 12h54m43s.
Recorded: 12h22m01s
